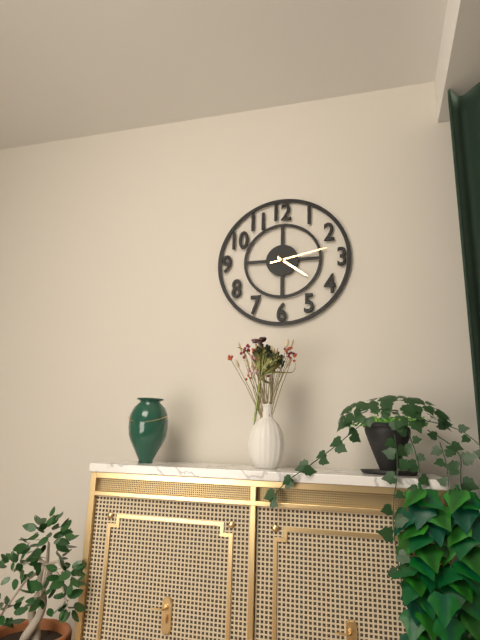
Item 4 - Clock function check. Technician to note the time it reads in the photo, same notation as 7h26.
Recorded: 4h13
